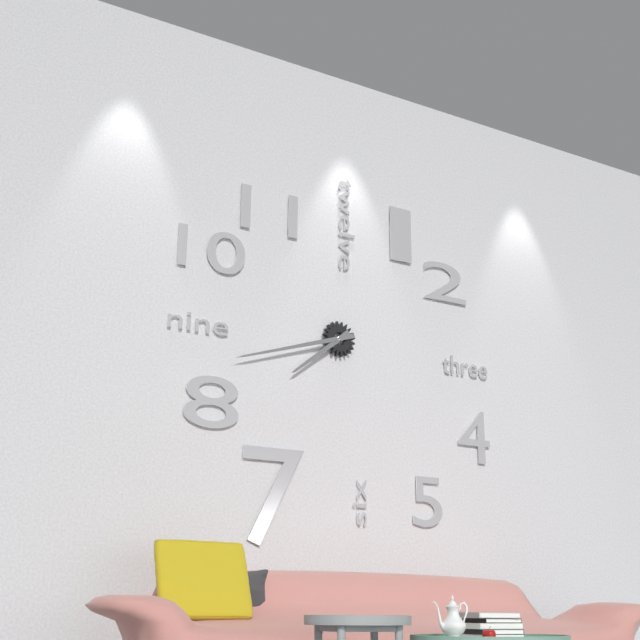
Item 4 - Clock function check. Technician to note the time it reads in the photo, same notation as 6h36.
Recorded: 7h42
